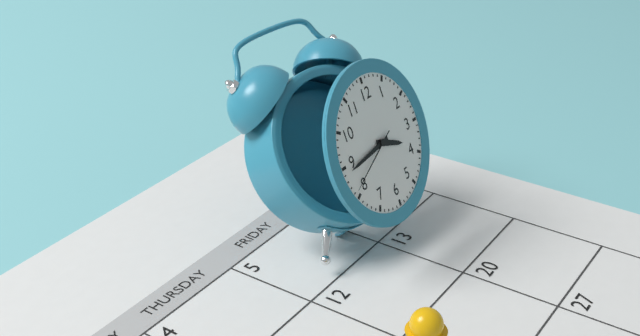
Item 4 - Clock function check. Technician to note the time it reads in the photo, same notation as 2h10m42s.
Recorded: 3h44m41s
